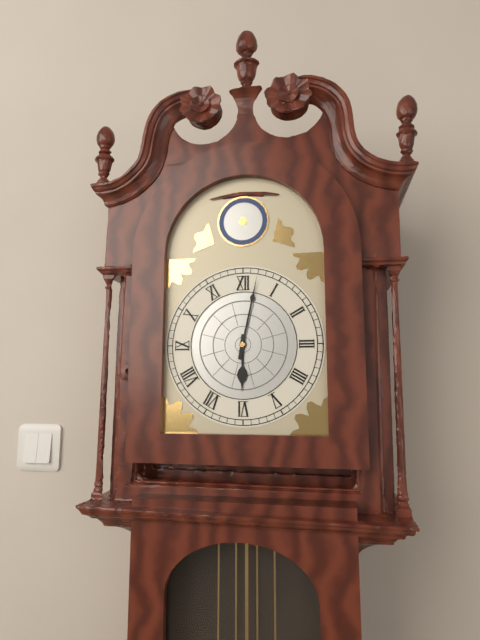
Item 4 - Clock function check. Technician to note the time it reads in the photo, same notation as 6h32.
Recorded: 6h02
